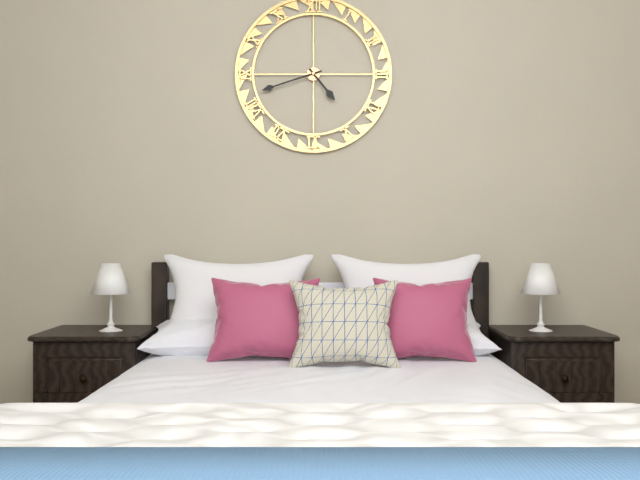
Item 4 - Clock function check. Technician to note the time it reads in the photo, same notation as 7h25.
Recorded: 4h42
